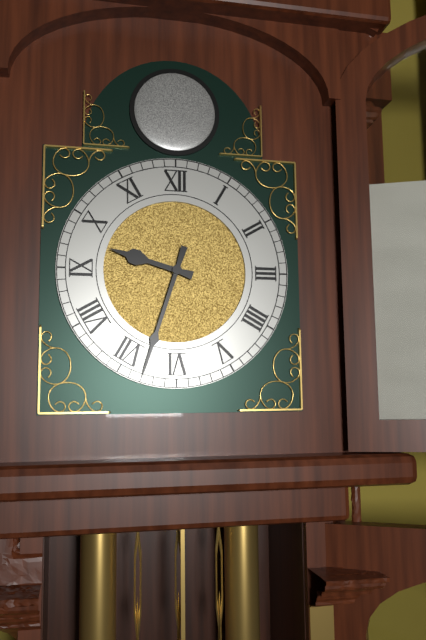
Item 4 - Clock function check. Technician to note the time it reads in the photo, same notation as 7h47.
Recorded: 9h33
